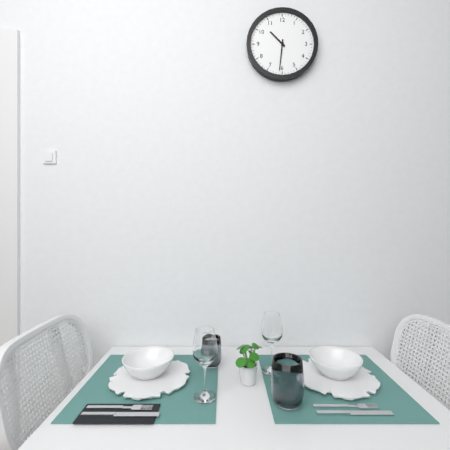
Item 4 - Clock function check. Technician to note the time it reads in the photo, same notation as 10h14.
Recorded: 10h31
